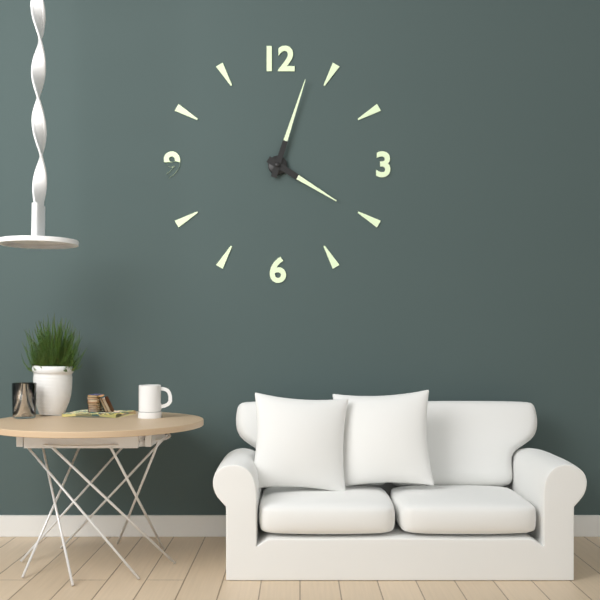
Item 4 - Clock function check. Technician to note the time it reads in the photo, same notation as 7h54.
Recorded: 4h03
